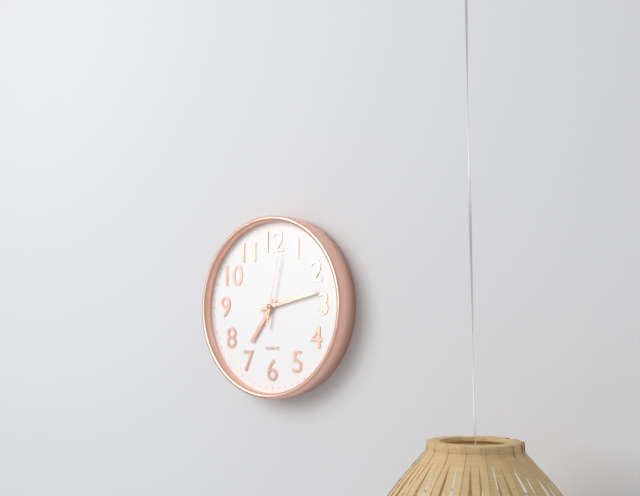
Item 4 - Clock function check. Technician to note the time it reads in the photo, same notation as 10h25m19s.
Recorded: 7h13m02s
